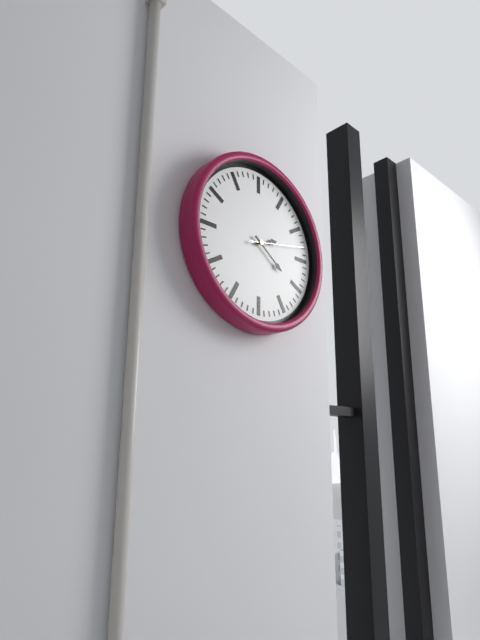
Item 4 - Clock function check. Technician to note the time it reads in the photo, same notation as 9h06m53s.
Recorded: 2h21m13s
